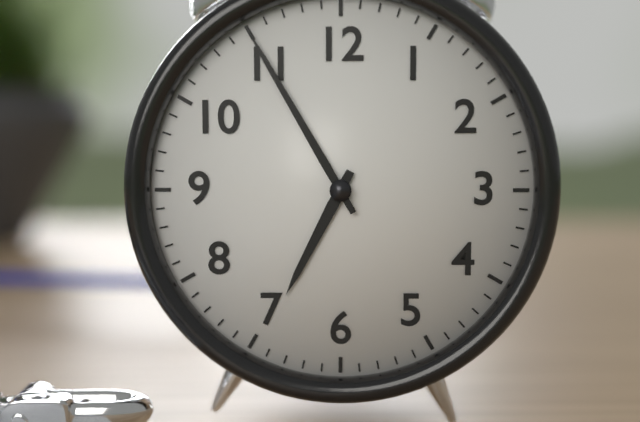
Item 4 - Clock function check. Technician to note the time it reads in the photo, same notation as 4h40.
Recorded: 6h55
